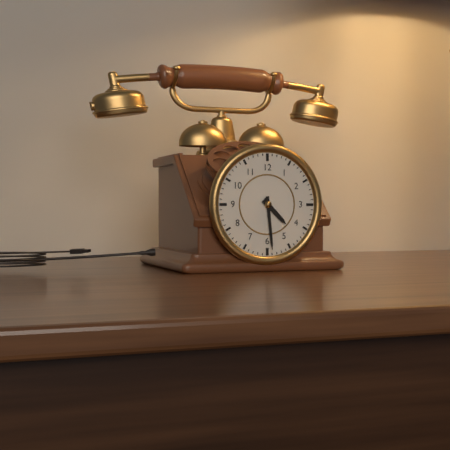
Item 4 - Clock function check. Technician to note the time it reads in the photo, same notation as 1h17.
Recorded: 4h29
